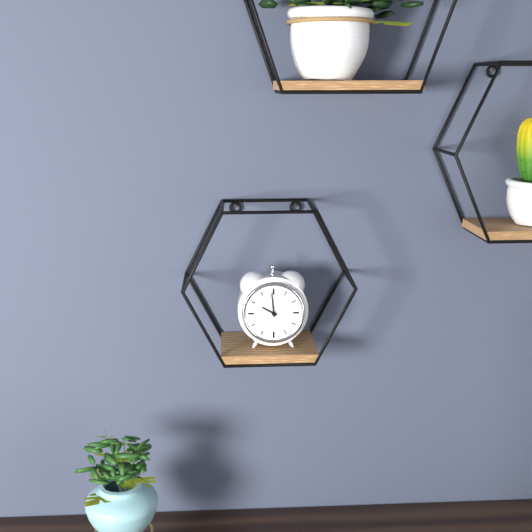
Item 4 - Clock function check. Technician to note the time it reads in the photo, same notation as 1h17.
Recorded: 9h59
